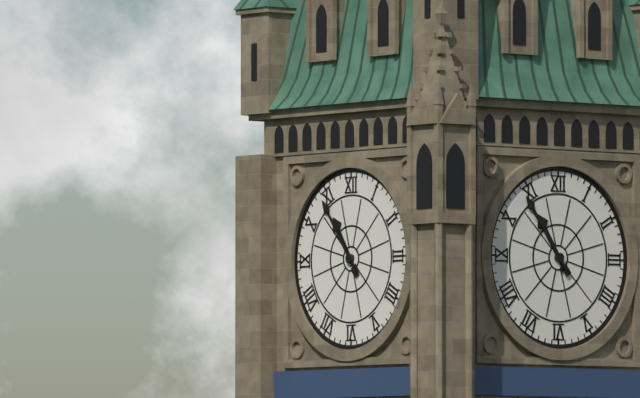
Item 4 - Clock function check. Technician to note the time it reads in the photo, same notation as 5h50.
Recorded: 10h54
